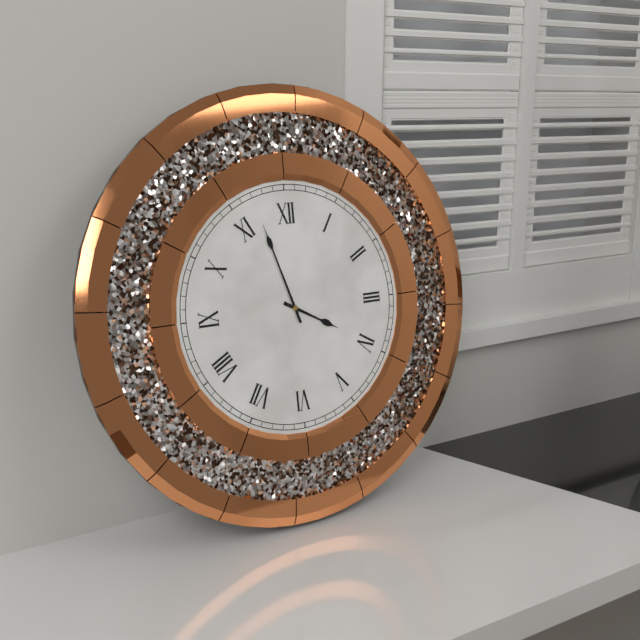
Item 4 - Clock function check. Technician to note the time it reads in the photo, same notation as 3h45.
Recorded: 3h57
